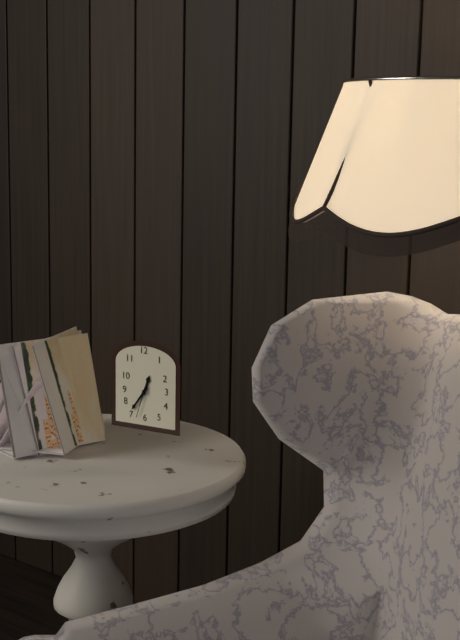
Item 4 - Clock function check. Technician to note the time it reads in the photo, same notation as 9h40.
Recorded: 12h36
